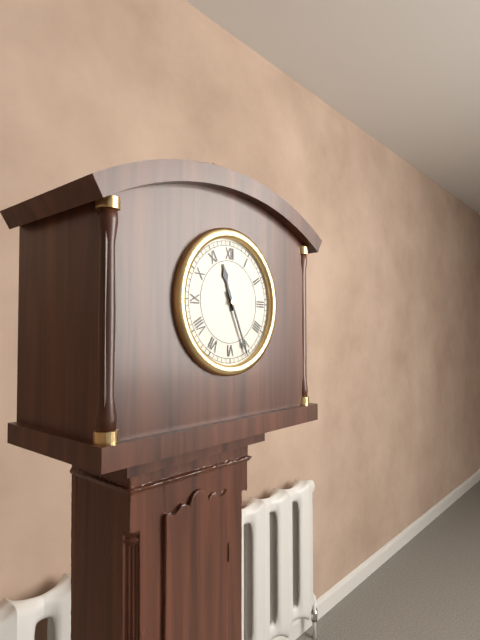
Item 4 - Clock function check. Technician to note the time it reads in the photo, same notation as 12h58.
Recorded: 11h26
